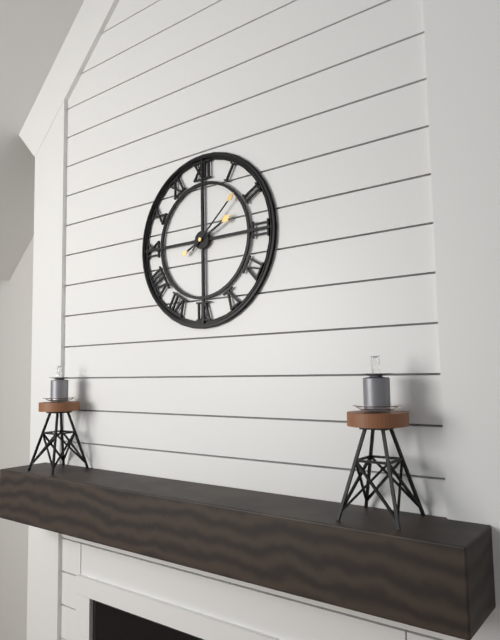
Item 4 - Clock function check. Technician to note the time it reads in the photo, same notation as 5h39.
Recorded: 2h08
